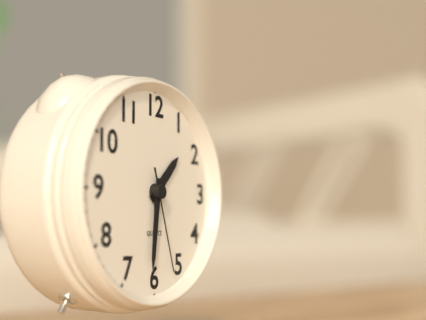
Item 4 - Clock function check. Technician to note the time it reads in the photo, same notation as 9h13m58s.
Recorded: 1h31m27s
